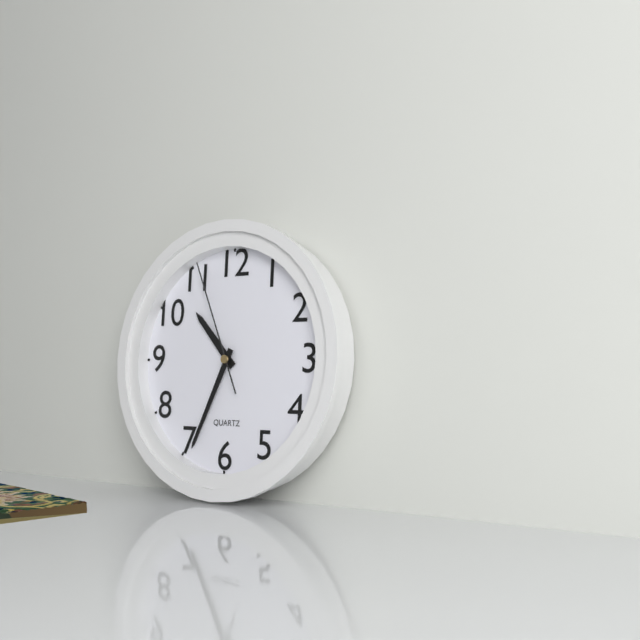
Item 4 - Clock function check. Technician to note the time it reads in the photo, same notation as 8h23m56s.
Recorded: 10h34m56s
